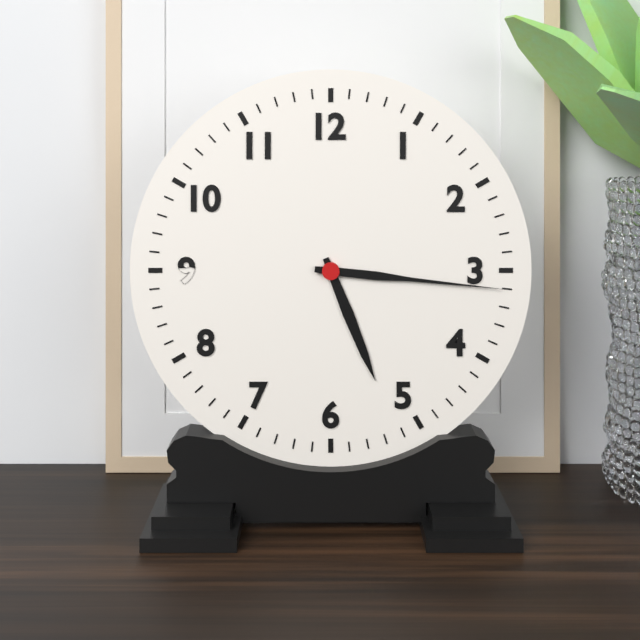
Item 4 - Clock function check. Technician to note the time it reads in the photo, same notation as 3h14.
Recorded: 5h16
